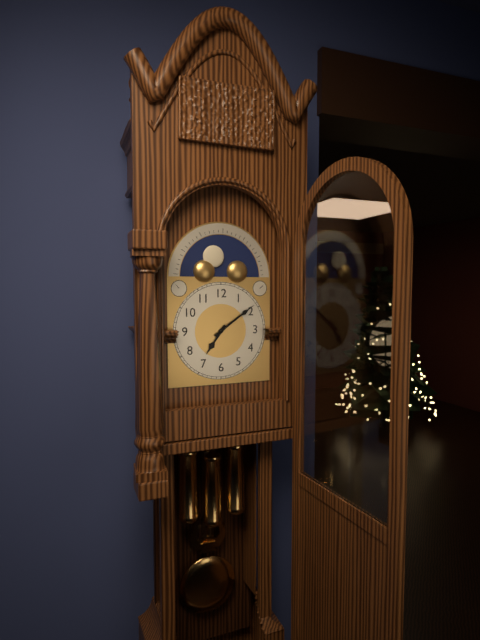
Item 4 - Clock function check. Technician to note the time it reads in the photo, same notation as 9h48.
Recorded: 7h09
